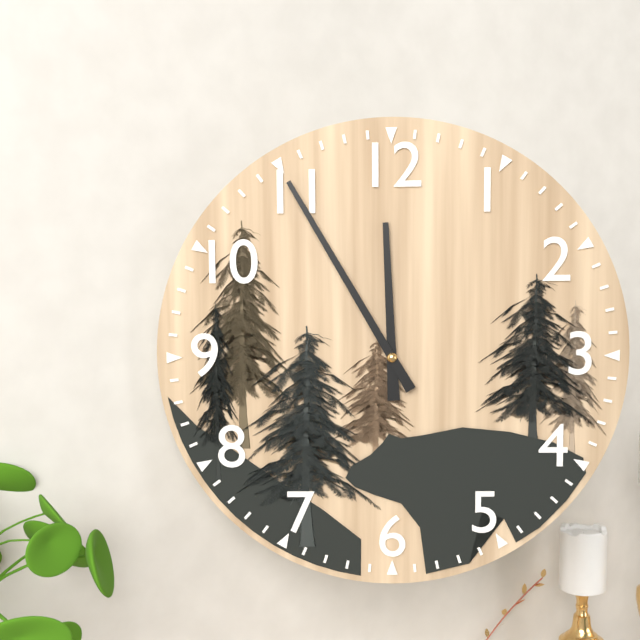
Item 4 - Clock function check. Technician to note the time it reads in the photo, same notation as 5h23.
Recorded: 11h55
